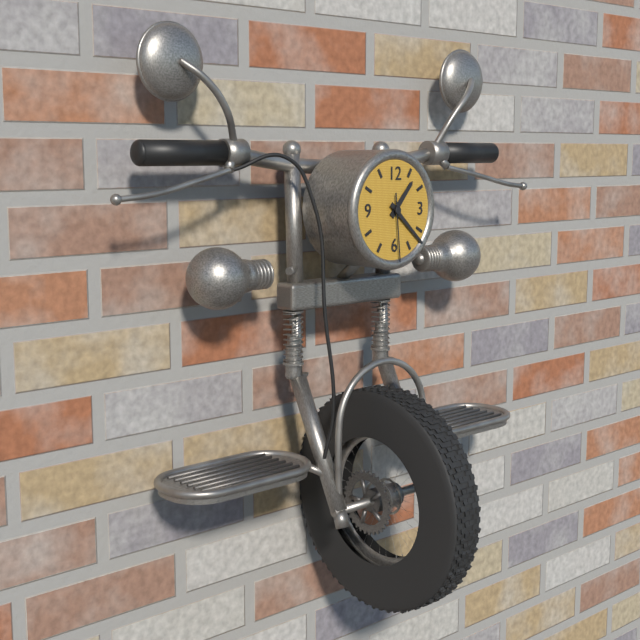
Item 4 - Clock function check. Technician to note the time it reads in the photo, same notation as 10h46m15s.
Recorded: 1h22m29s
